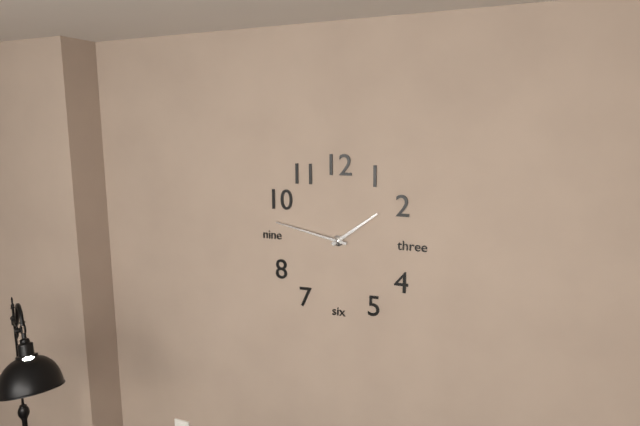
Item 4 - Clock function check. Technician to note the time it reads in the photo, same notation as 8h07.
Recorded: 1h47
